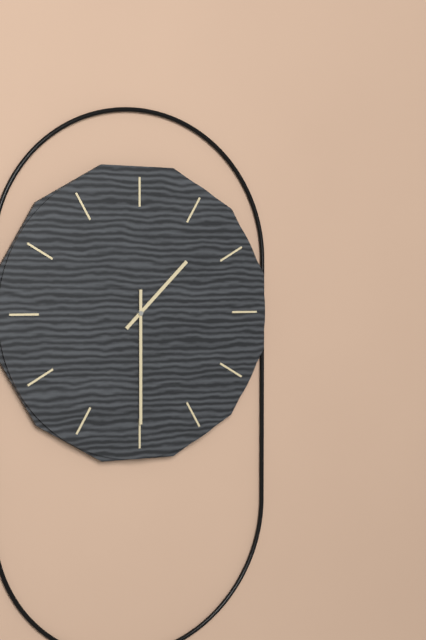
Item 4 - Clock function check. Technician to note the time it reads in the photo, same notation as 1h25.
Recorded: 1h30
